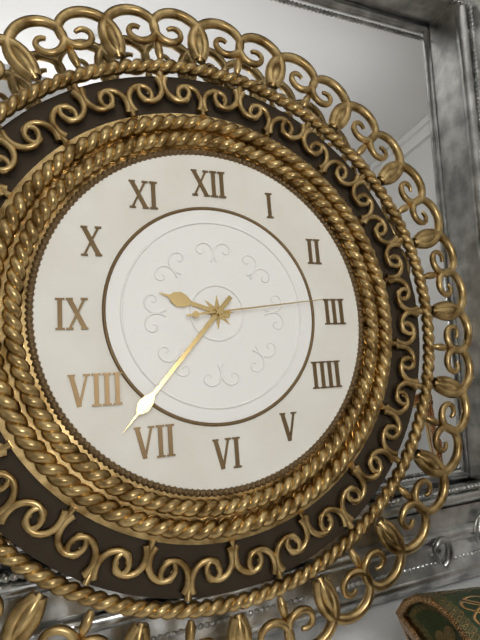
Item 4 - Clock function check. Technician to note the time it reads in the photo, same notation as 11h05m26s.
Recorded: 9h37m14s
